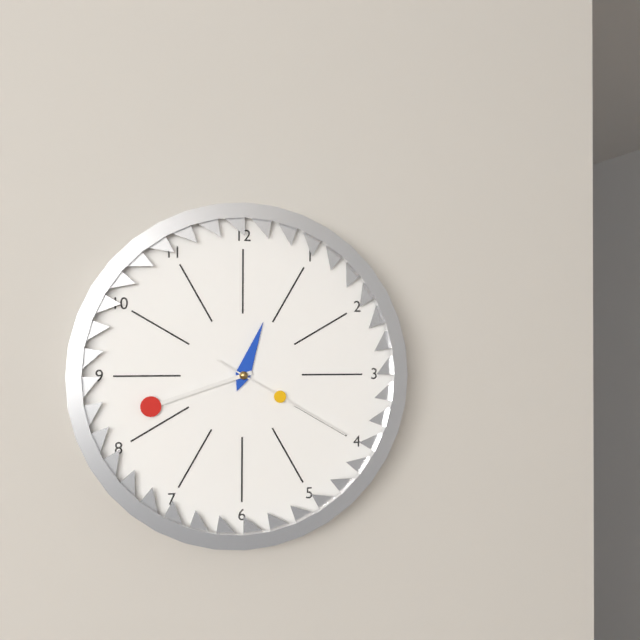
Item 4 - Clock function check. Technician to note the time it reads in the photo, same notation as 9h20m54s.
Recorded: 12h42m20s
